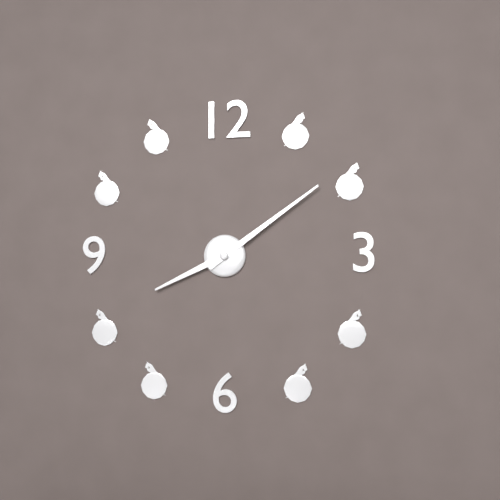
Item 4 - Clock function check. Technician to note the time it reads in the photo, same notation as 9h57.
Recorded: 8h09
